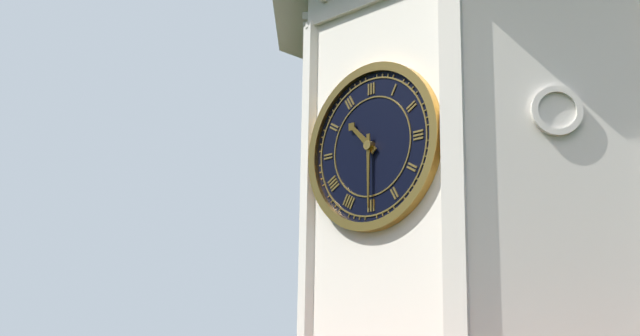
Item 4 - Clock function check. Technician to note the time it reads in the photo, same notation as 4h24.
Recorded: 10h30
